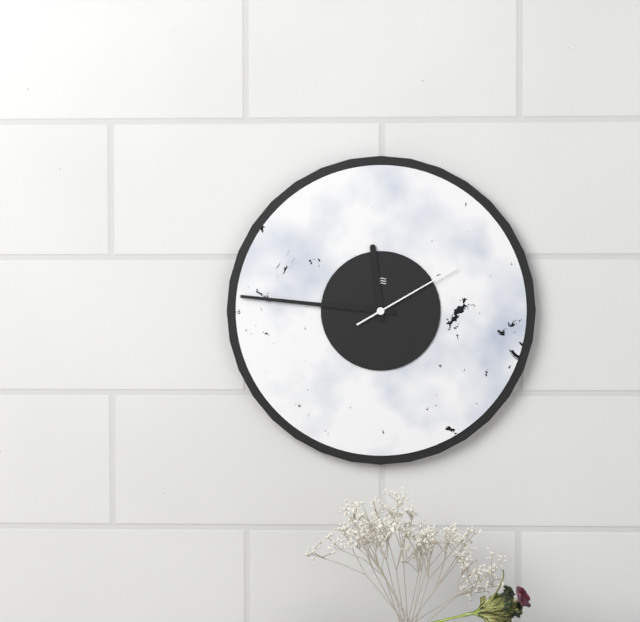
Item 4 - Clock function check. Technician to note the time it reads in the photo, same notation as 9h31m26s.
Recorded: 11h46m10s
